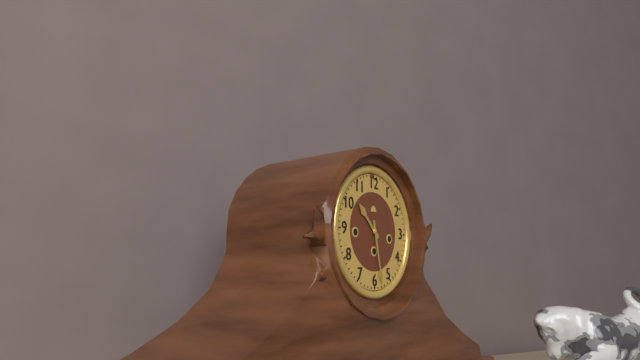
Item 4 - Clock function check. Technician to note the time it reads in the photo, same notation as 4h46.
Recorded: 10h28
